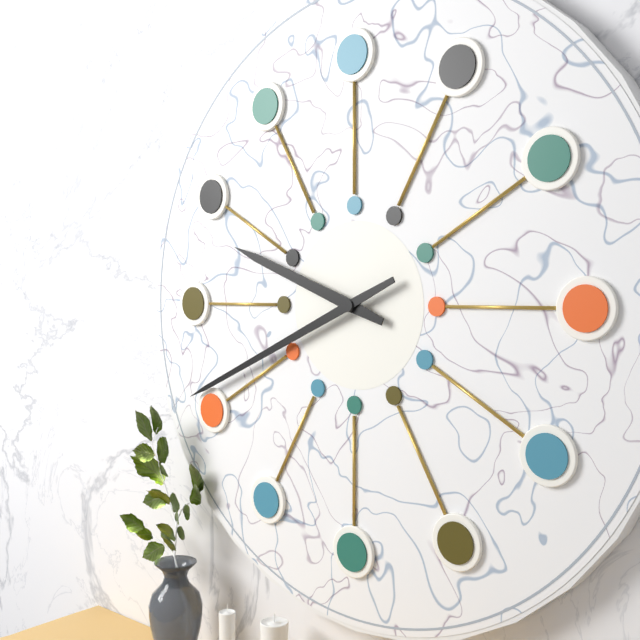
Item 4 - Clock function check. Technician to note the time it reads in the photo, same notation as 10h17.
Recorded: 9h41
